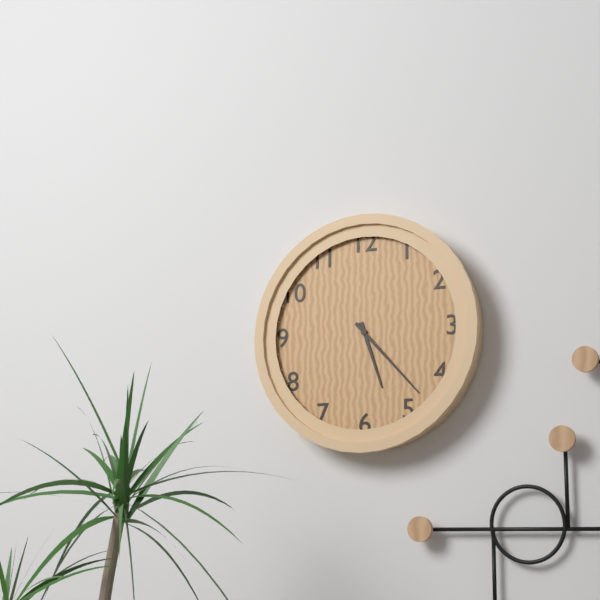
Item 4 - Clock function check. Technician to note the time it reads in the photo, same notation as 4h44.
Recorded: 5h23
